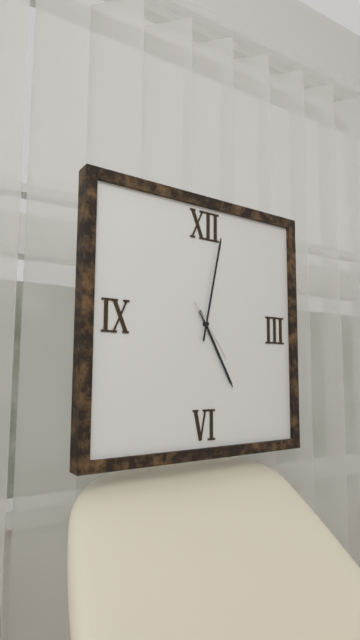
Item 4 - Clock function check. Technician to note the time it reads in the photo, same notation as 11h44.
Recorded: 5h02
